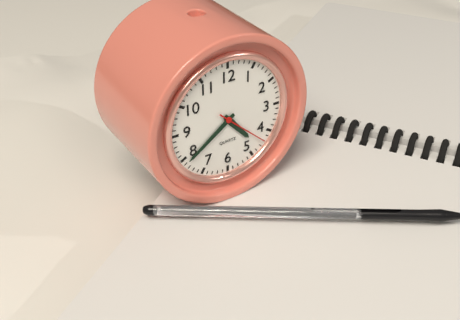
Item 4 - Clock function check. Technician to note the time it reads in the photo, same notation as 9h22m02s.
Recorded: 4h39m22s
